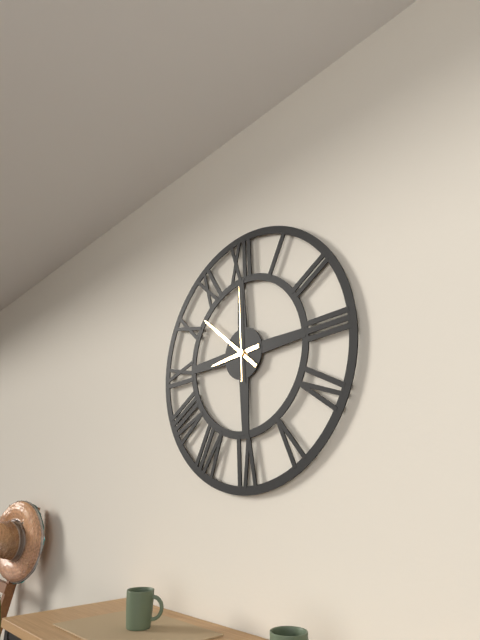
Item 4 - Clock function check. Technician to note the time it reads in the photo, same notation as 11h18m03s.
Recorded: 8h52m00s
